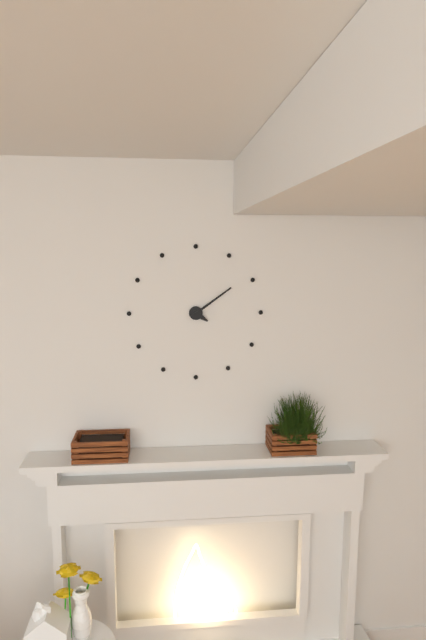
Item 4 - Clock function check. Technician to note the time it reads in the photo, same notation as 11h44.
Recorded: 4h09
